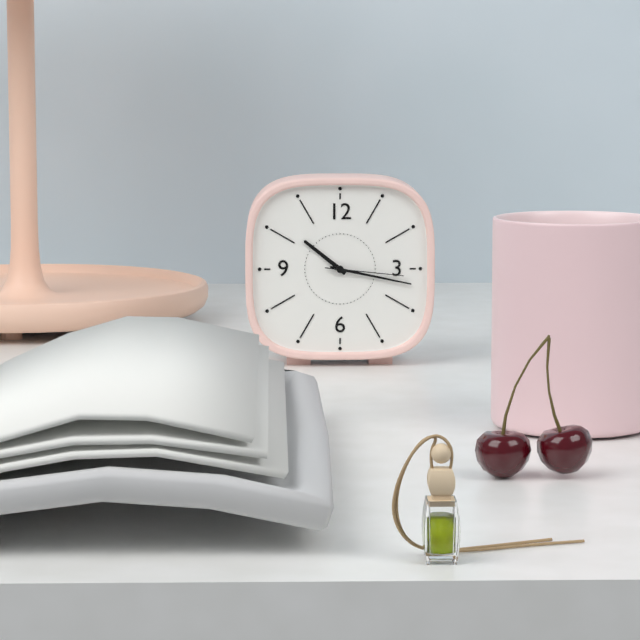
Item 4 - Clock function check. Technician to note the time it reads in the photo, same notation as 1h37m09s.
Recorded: 10h17m16s
